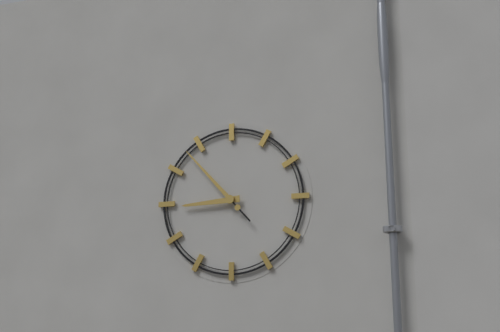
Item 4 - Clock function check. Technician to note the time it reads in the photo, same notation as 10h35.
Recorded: 8h53
